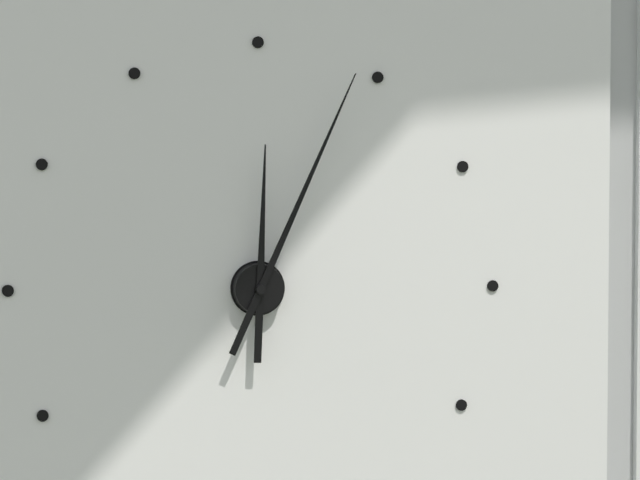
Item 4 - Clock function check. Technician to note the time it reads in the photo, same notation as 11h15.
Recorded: 12h04
